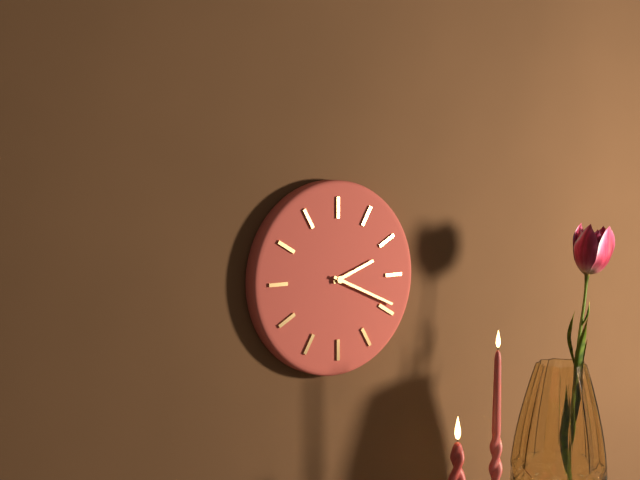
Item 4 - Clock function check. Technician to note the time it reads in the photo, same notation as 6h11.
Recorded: 2h19
